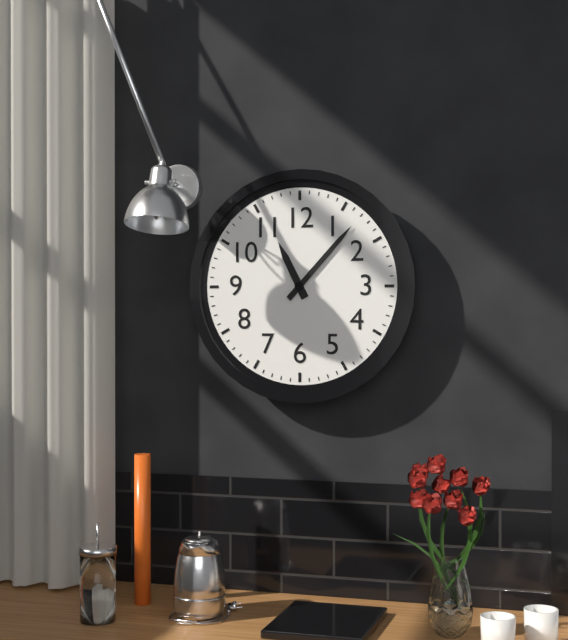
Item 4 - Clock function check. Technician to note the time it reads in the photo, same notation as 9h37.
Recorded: 11h07
